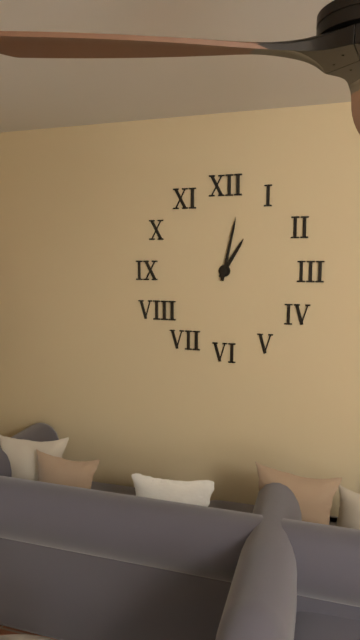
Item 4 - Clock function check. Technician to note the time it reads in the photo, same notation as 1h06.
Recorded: 1h02
